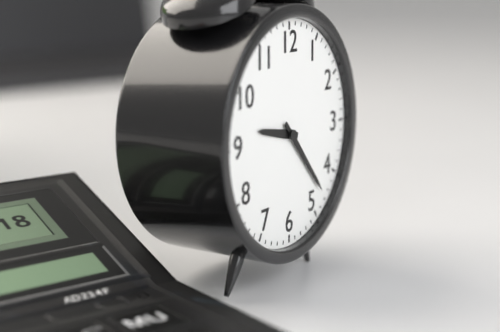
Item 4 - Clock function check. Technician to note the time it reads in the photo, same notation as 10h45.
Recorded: 9h23
